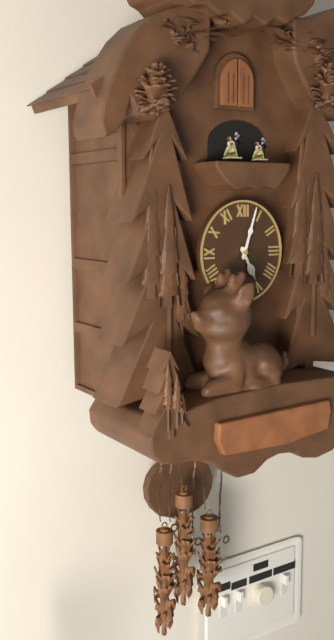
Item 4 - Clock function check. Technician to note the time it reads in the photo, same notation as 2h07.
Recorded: 5h03
